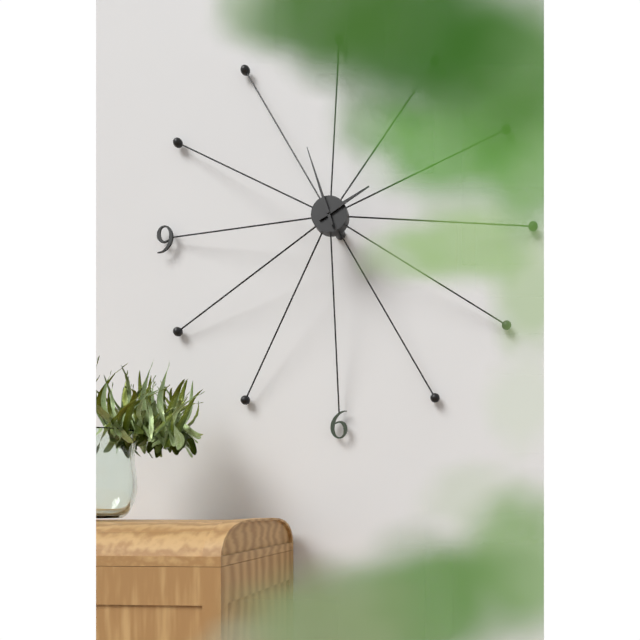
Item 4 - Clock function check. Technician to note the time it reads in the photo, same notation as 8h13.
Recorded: 1h57
